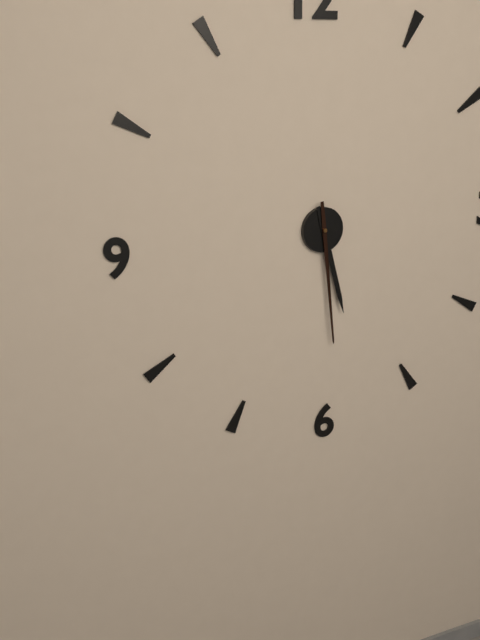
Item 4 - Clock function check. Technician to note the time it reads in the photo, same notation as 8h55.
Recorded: 5h29
